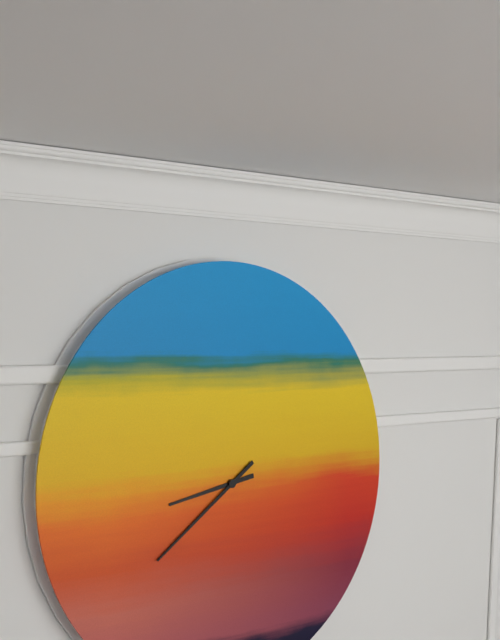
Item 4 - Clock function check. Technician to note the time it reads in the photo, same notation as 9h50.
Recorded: 8h39
